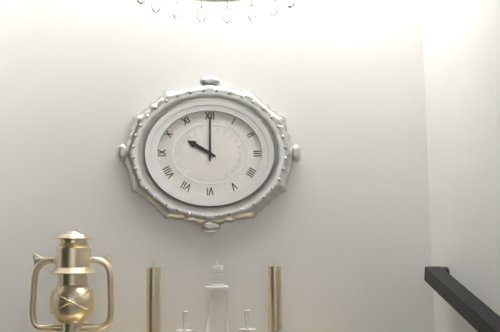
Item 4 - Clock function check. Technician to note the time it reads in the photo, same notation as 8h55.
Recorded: 10h00
